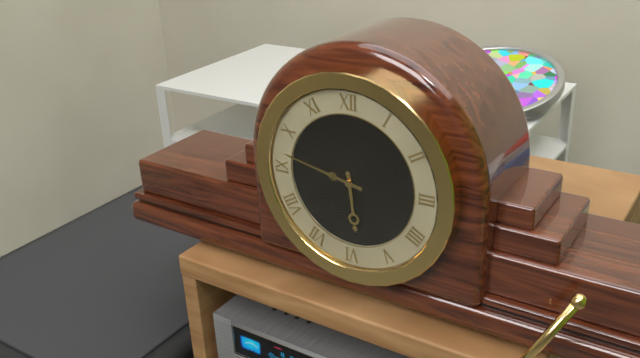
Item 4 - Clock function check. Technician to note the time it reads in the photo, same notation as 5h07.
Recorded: 5h47
